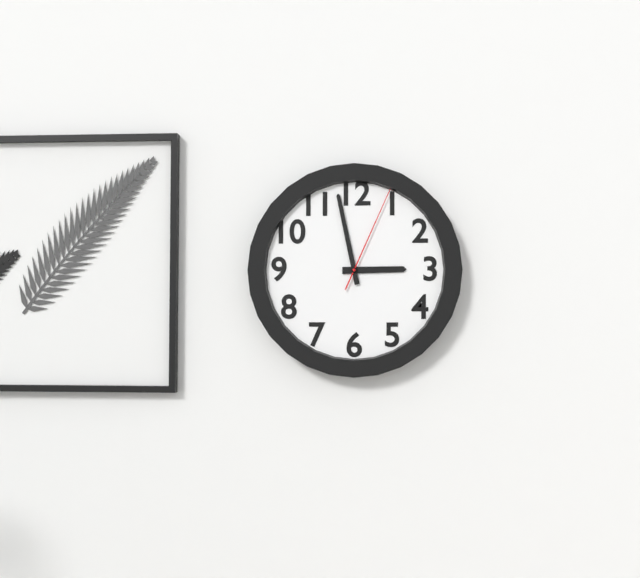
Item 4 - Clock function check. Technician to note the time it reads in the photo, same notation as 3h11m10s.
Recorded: 2h58m04s
